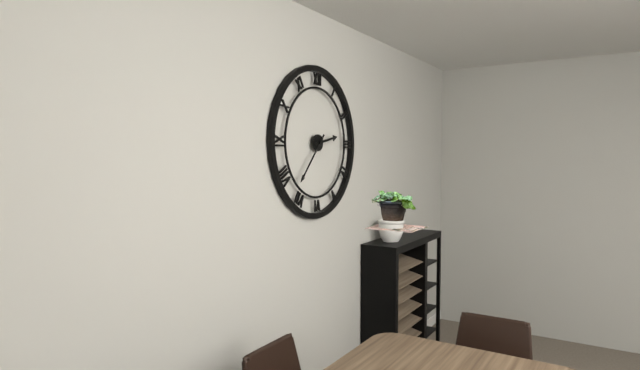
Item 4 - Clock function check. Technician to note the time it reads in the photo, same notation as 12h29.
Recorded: 2h37
